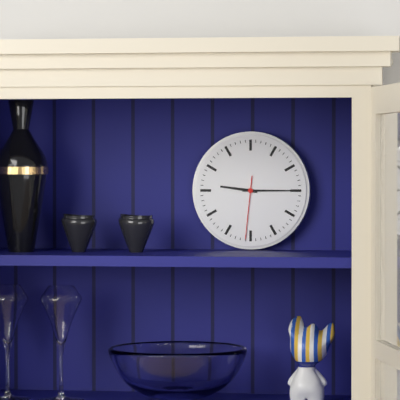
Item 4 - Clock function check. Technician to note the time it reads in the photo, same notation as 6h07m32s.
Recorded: 9h15m31s
